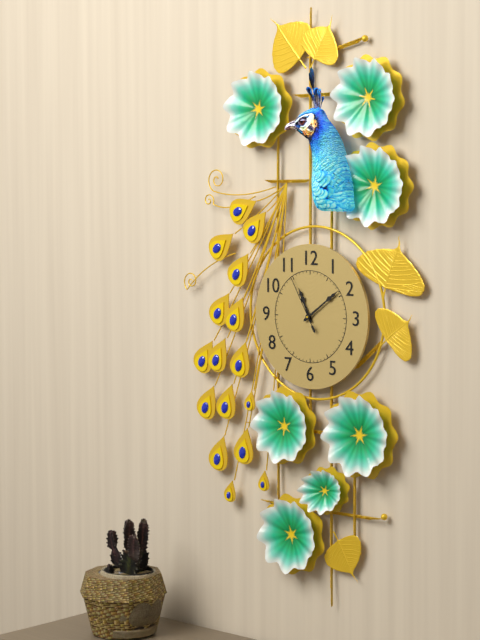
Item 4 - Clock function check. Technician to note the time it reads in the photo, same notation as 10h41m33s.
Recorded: 11h09m55s
